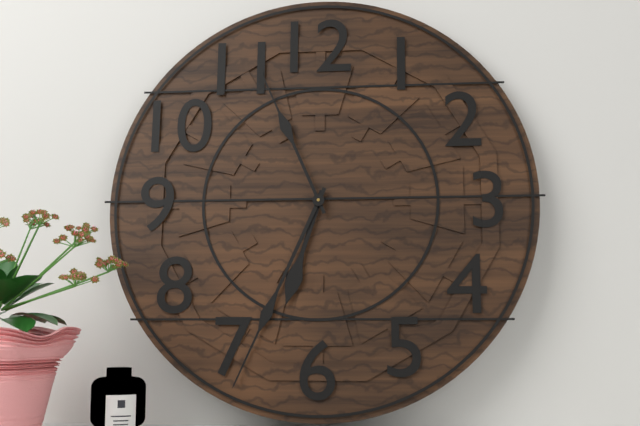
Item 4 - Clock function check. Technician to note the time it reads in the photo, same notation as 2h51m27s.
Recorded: 6h34m56s
